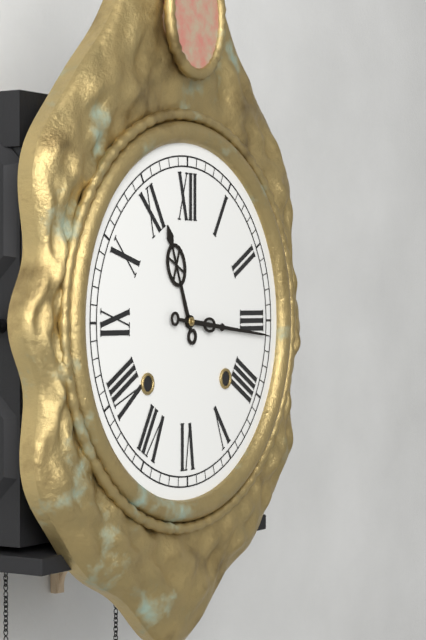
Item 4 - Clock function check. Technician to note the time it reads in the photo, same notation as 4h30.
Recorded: 11h16
